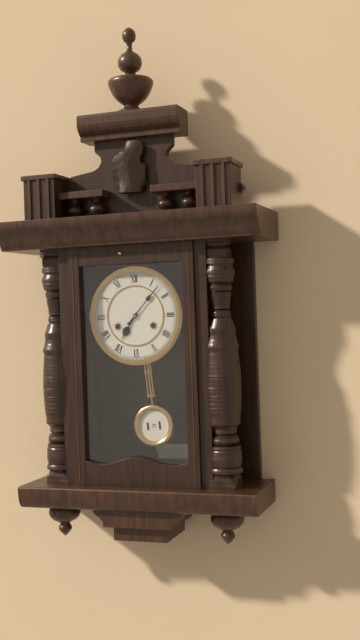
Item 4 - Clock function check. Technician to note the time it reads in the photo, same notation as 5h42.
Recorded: 7h07
